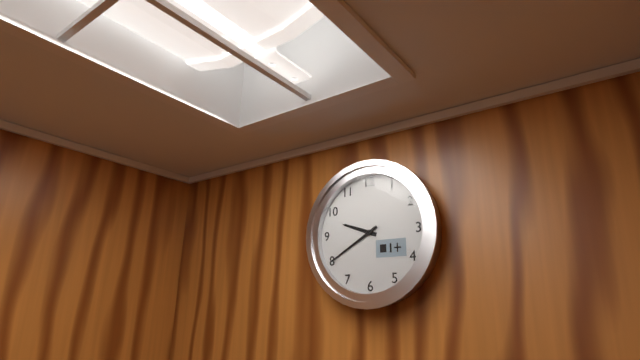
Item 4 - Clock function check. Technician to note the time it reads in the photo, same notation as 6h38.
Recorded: 9h40
